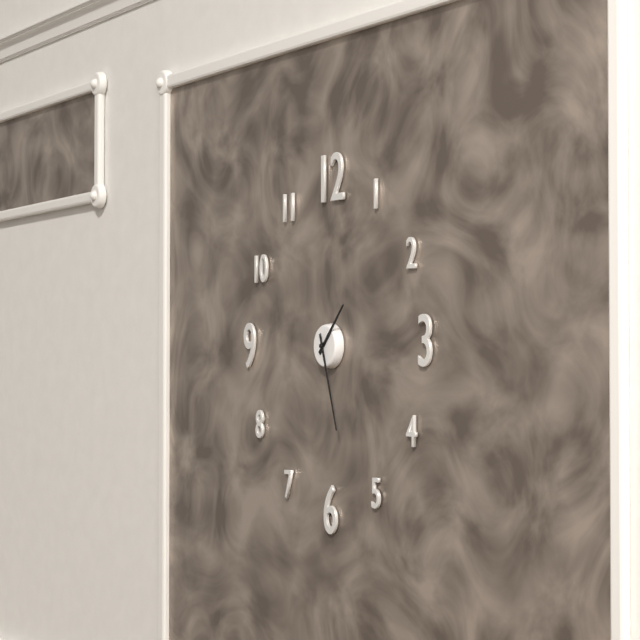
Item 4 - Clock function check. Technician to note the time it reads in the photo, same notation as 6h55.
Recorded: 1h27
